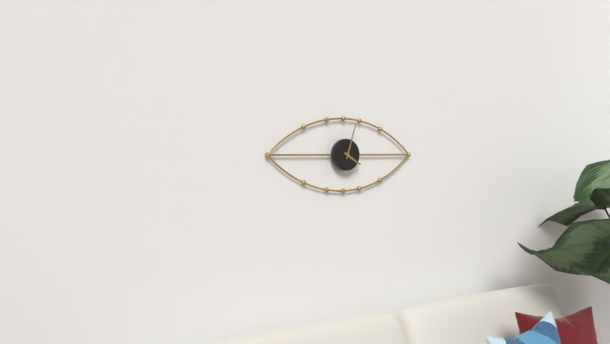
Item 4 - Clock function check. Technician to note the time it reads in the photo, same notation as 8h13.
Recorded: 4h03
